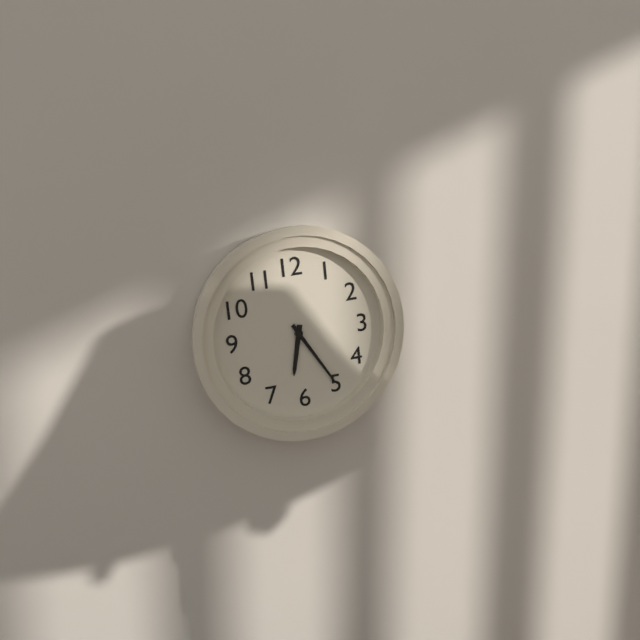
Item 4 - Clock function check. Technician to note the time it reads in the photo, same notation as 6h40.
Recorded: 6h25
